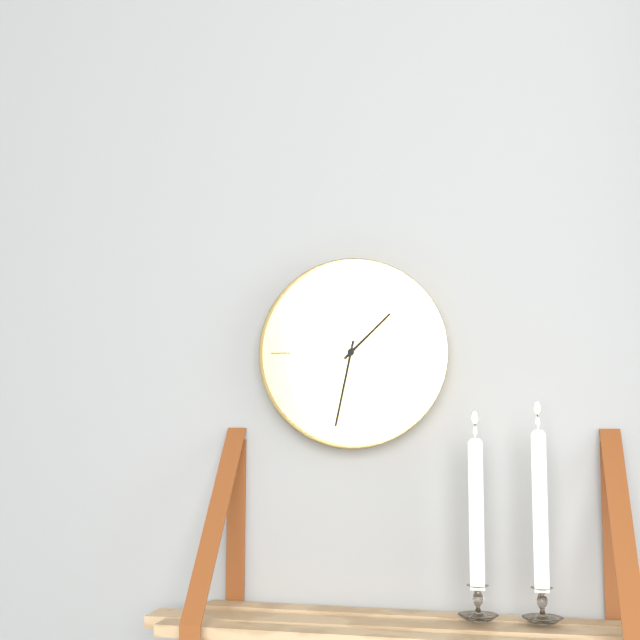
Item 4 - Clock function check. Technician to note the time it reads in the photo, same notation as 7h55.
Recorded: 1h32
